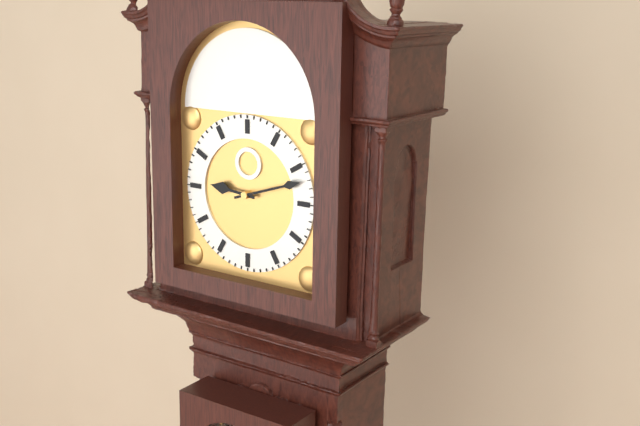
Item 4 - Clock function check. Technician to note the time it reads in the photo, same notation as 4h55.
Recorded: 9h12
